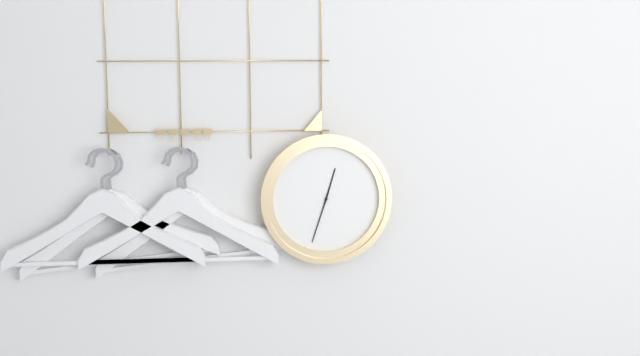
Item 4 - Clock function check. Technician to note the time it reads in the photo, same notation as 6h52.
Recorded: 12h33
